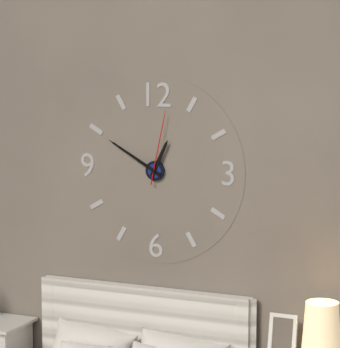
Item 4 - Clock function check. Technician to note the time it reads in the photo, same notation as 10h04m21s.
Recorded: 12h50m02s
